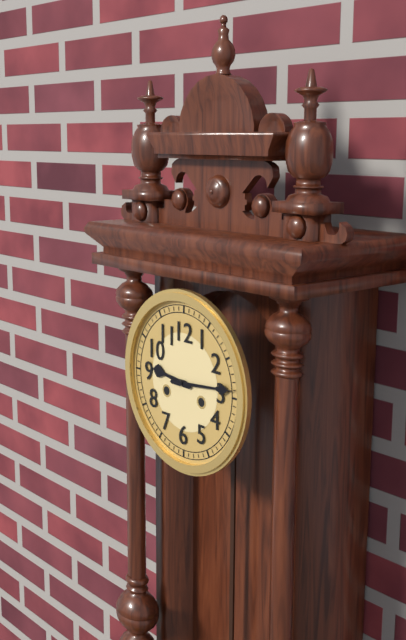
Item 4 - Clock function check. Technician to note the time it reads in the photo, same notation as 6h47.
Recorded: 9h14
